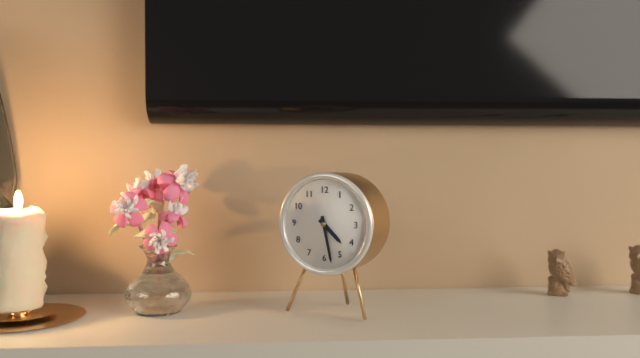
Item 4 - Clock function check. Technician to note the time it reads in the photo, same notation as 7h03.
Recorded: 4h28
